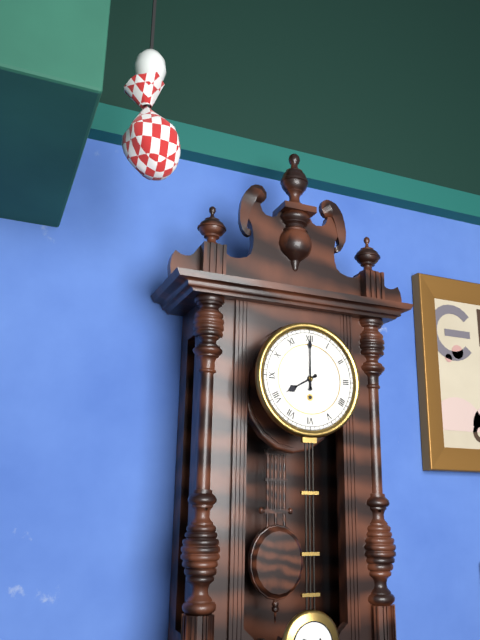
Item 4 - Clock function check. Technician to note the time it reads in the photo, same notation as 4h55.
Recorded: 8h00
